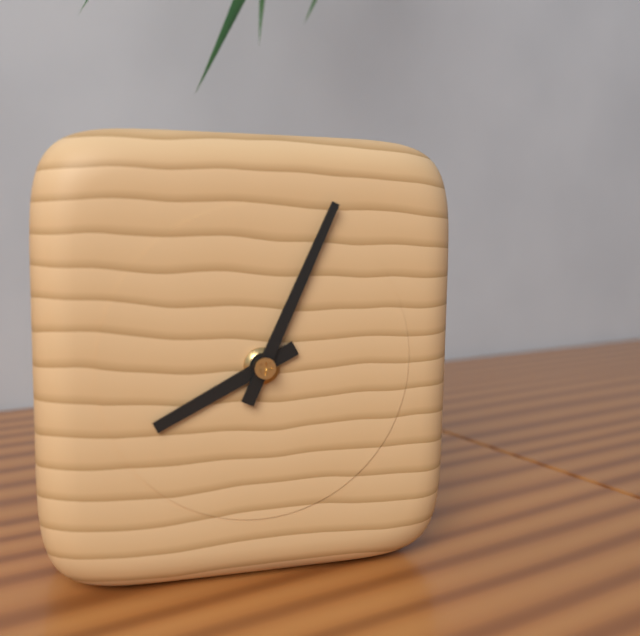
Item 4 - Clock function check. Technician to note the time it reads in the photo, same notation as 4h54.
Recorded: 8h04
